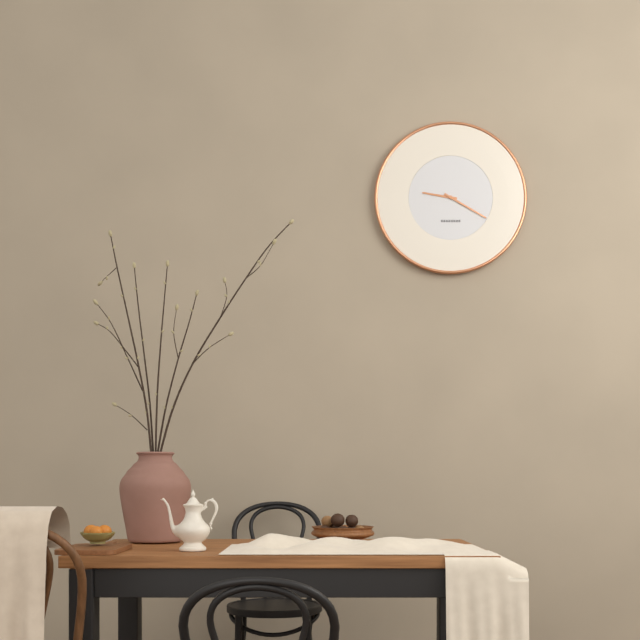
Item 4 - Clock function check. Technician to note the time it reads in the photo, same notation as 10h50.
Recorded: 9h20
